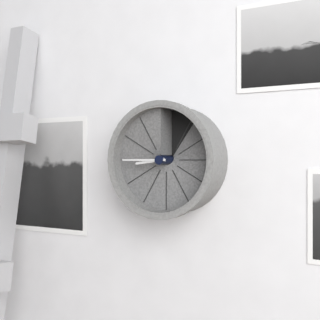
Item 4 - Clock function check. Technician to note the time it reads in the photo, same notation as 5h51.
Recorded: 8h45
